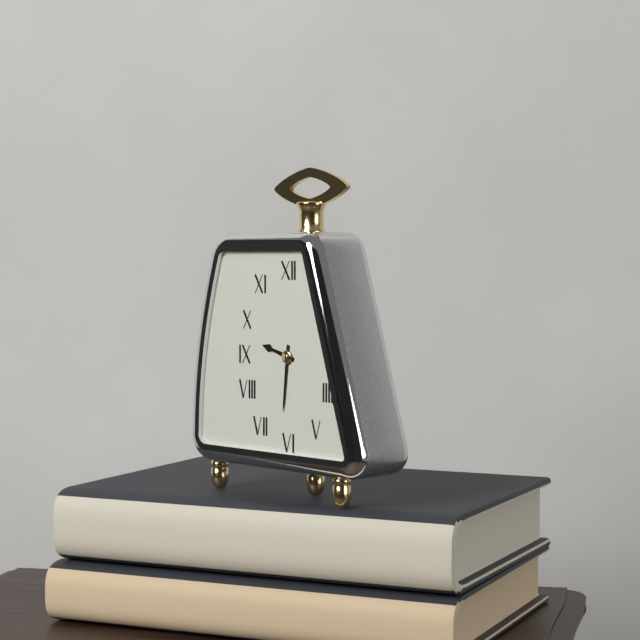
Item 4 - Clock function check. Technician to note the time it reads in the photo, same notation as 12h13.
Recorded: 9h31
